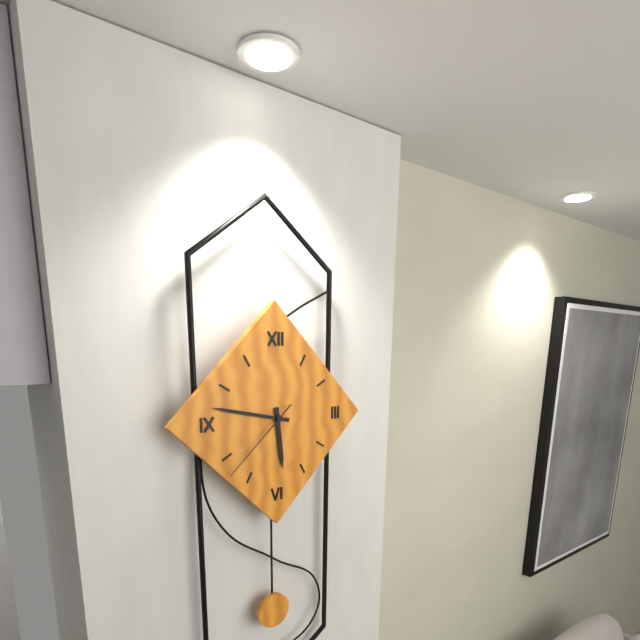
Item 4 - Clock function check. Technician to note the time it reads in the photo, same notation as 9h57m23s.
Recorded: 5h47m38s
